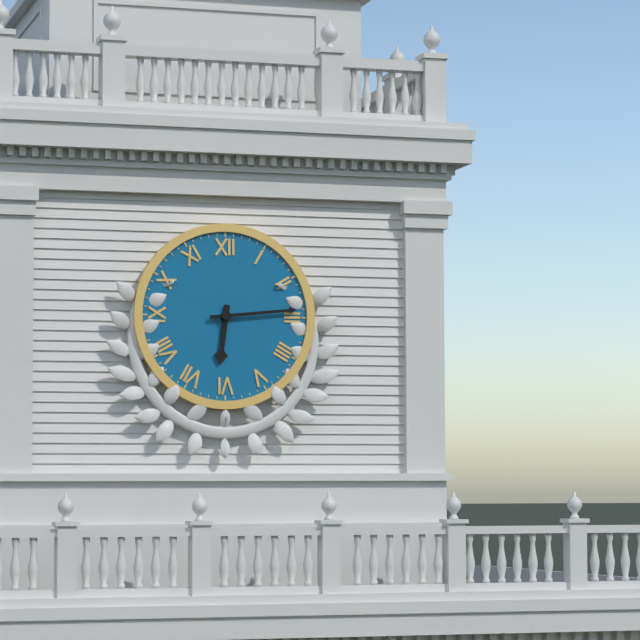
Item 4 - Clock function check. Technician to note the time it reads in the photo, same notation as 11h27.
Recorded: 6h14
